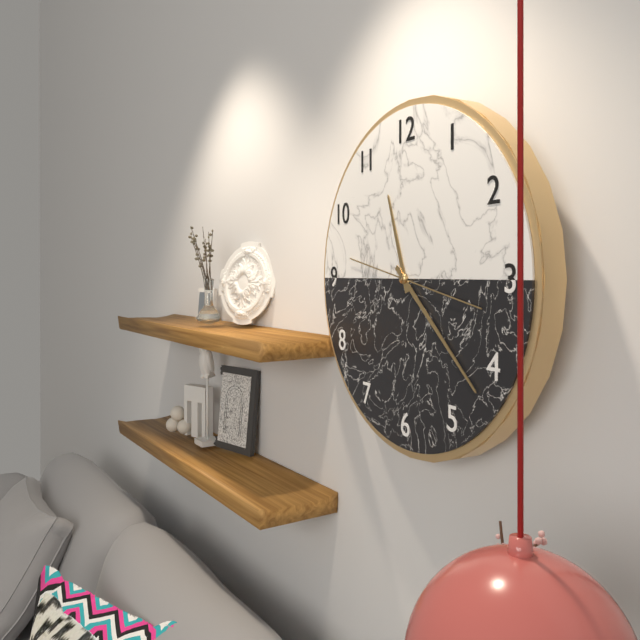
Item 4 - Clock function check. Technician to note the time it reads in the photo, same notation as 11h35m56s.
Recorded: 11h22m17s
